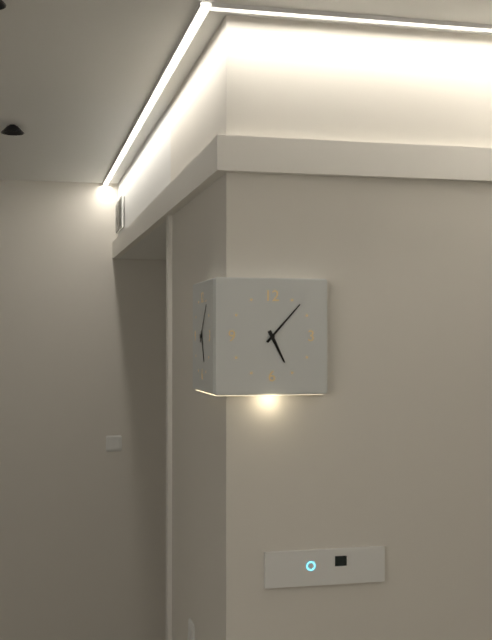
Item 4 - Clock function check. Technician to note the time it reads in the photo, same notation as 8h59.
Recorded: 5h07
